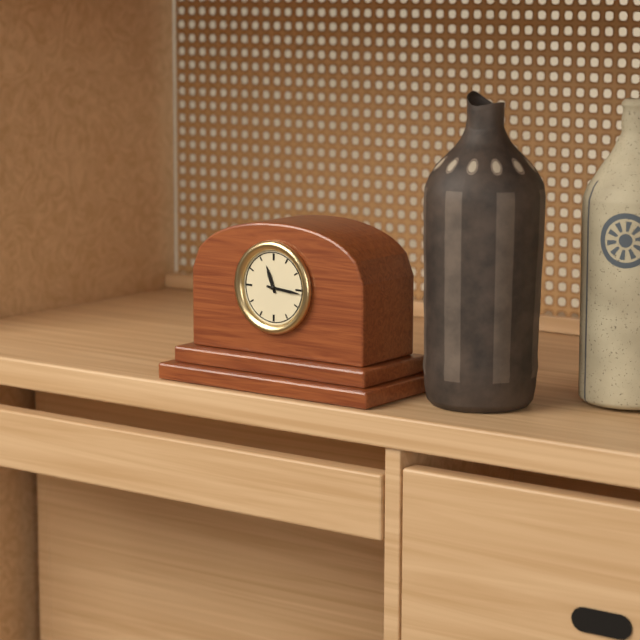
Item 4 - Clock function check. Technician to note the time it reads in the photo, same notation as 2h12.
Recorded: 11h16
